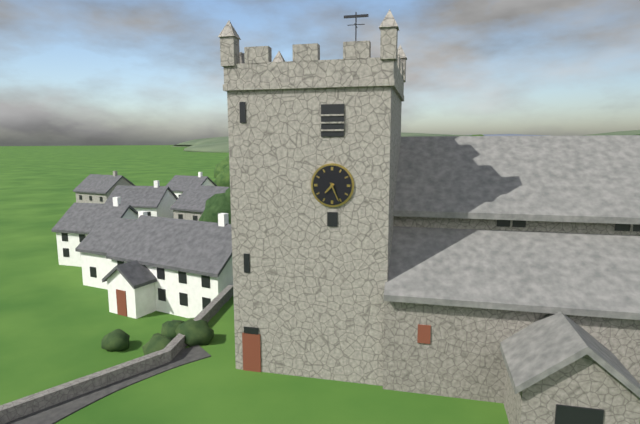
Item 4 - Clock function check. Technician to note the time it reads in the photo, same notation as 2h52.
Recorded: 7h26
